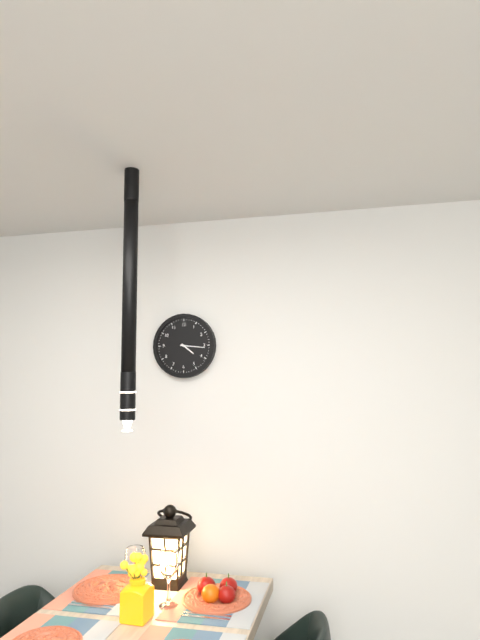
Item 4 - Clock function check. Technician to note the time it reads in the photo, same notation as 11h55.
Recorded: 4h16
